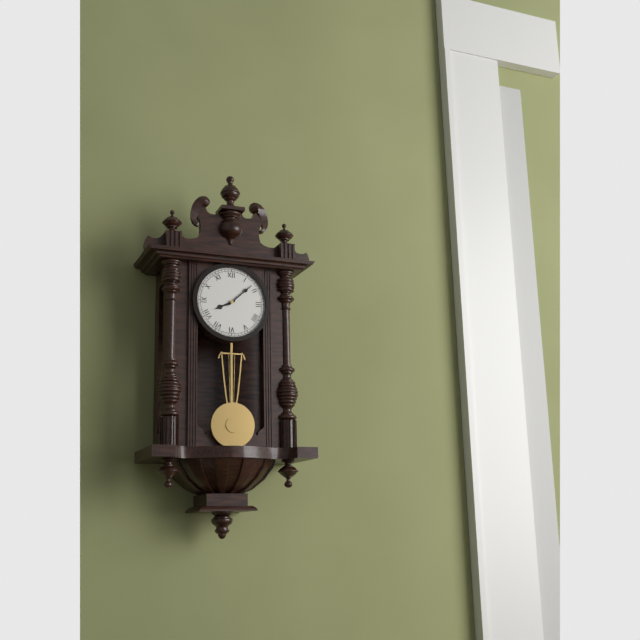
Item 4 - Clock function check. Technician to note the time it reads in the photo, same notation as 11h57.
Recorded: 8h08
